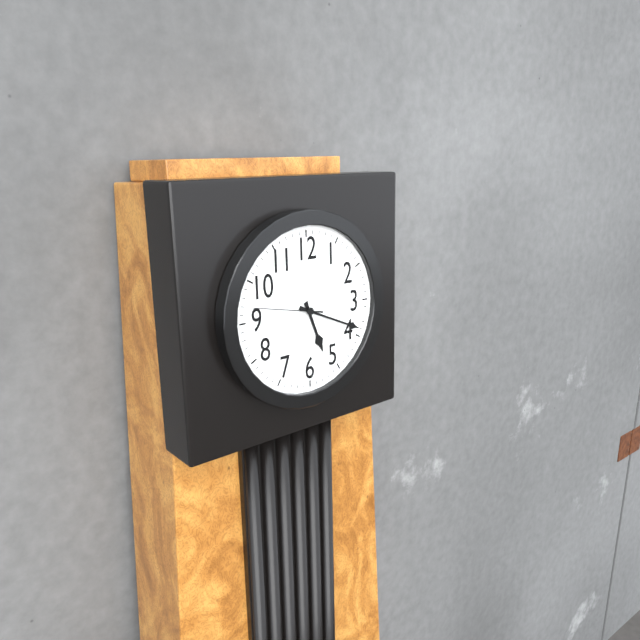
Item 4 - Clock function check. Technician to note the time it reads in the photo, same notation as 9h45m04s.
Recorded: 5h19m47s
